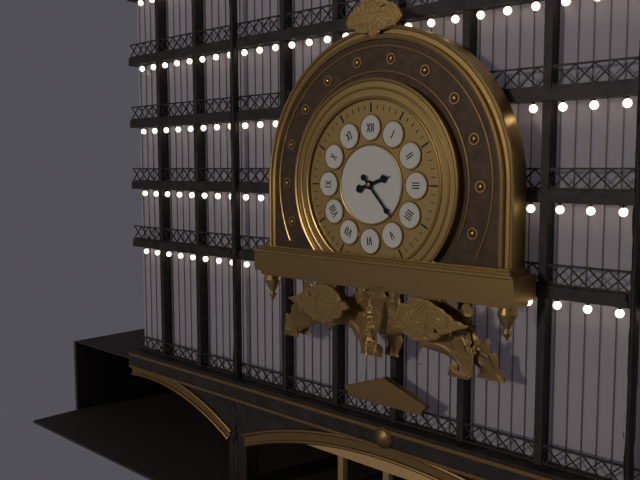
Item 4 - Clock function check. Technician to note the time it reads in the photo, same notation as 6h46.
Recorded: 2h23
